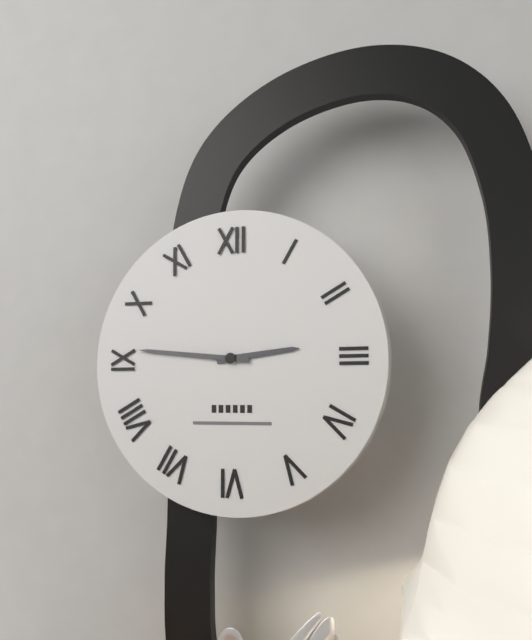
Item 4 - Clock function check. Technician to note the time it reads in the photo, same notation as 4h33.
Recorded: 2h46
